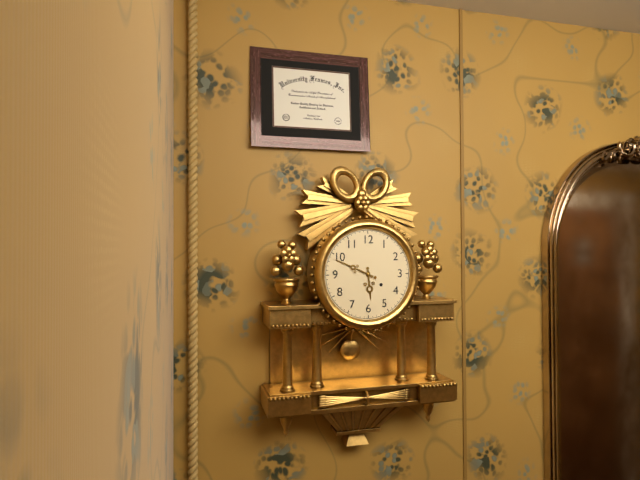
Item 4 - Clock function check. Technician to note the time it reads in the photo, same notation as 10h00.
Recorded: 5h49
